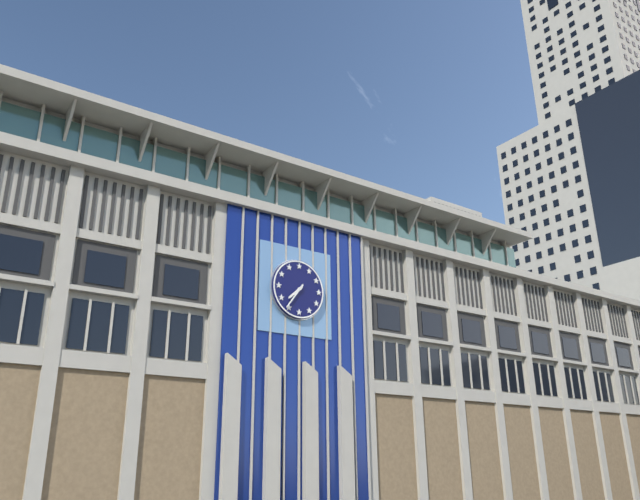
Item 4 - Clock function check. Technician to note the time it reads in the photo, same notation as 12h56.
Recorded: 7h36
